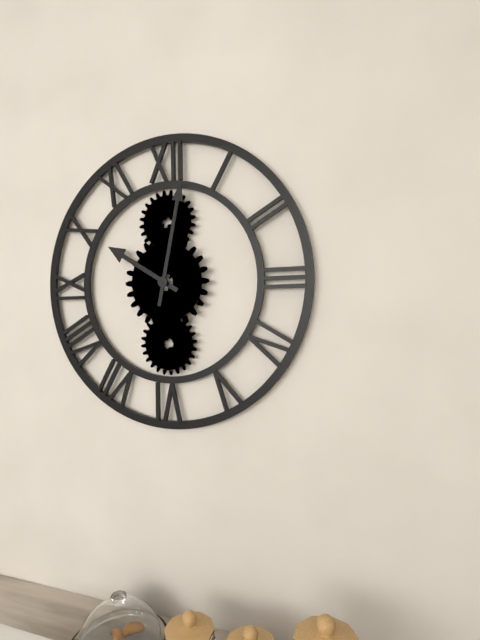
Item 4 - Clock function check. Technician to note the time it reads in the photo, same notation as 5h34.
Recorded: 10h02
